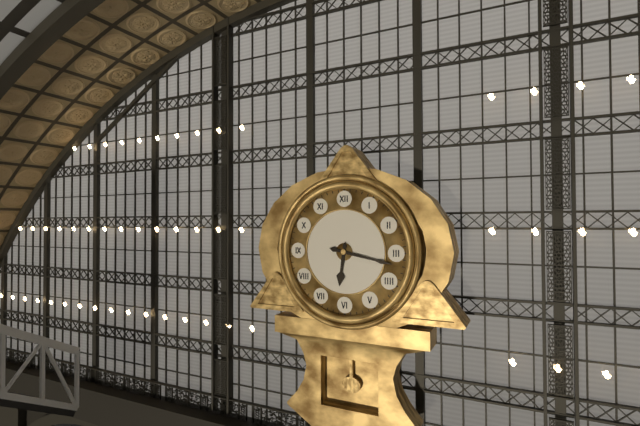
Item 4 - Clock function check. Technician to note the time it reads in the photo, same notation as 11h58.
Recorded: 6h17
